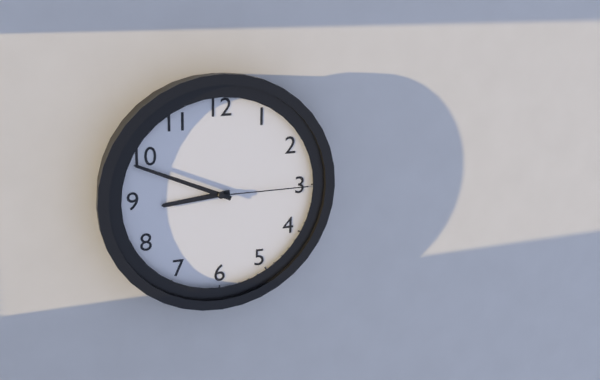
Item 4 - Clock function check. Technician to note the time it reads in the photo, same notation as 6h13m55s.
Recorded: 8h49m15s
